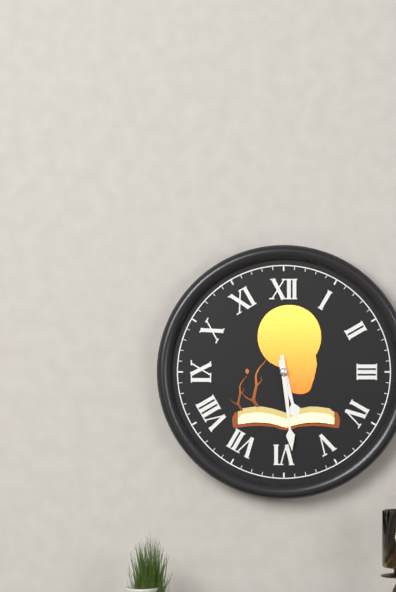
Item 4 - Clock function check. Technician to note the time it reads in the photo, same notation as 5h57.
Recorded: 5h29
